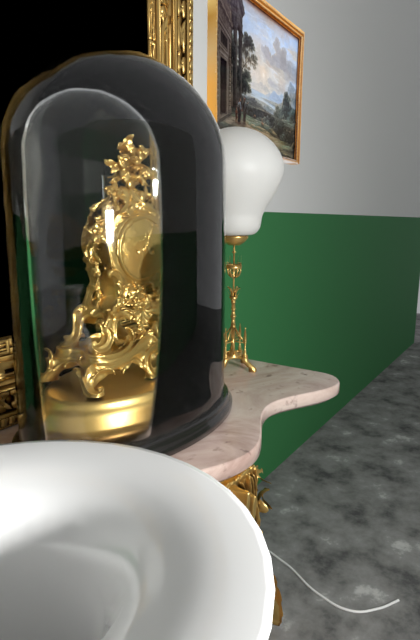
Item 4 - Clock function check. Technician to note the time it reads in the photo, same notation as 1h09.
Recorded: 8h55
